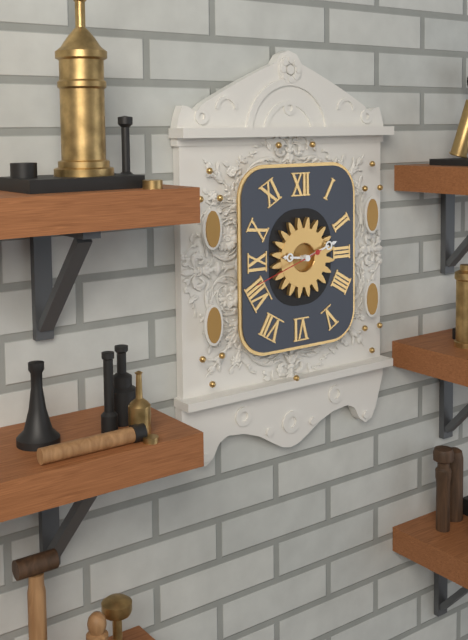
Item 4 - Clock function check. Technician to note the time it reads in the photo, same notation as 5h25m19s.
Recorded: 9h12m42s
